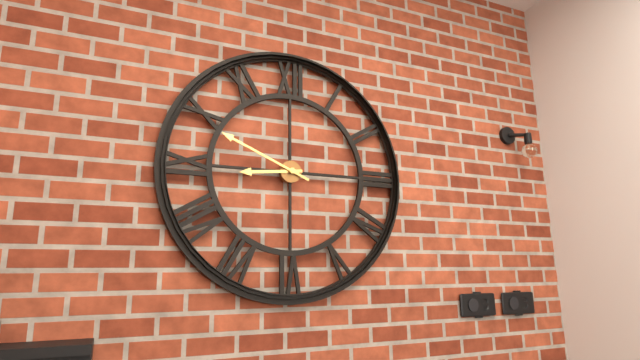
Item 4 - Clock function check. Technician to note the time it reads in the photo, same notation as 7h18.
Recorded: 8h49
